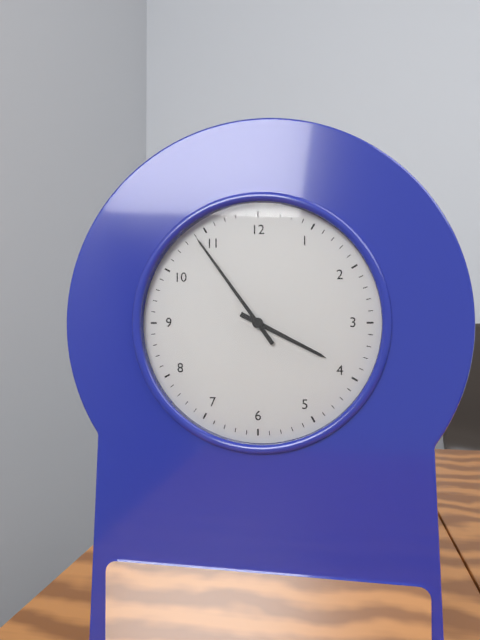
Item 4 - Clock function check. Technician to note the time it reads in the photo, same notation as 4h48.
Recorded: 3h54
